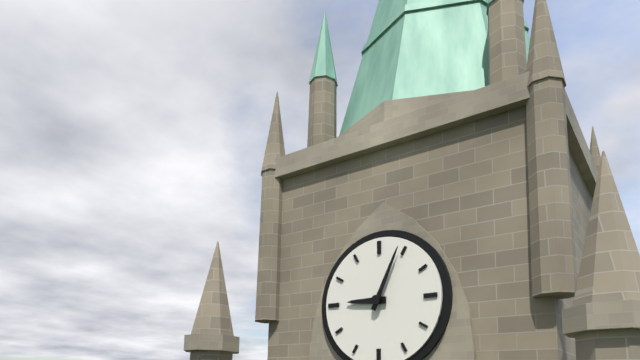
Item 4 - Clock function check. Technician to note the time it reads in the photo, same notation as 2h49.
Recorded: 9h04
